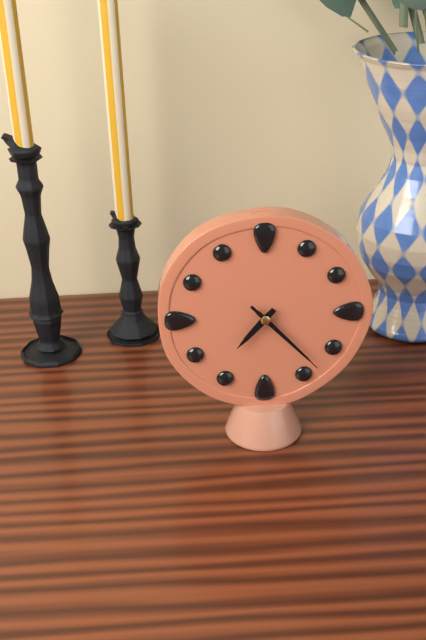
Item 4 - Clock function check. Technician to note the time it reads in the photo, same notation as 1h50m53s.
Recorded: 7h23m23s
